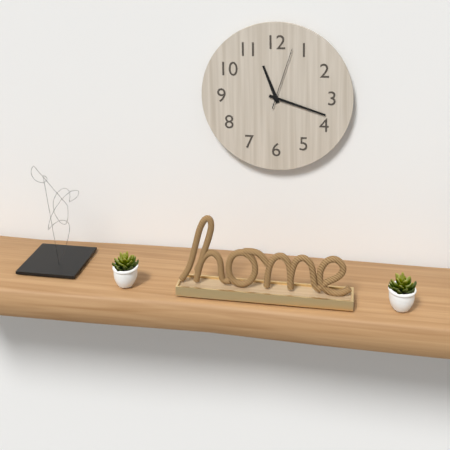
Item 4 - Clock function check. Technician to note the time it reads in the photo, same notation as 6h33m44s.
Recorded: 11h18m03s
